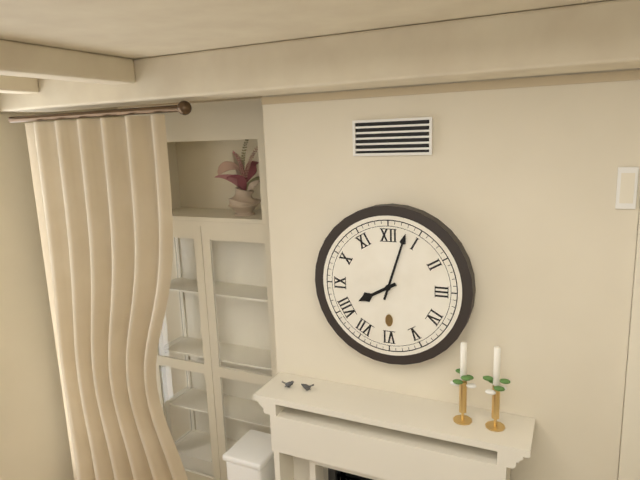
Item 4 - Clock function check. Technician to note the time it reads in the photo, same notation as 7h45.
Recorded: 8h03
